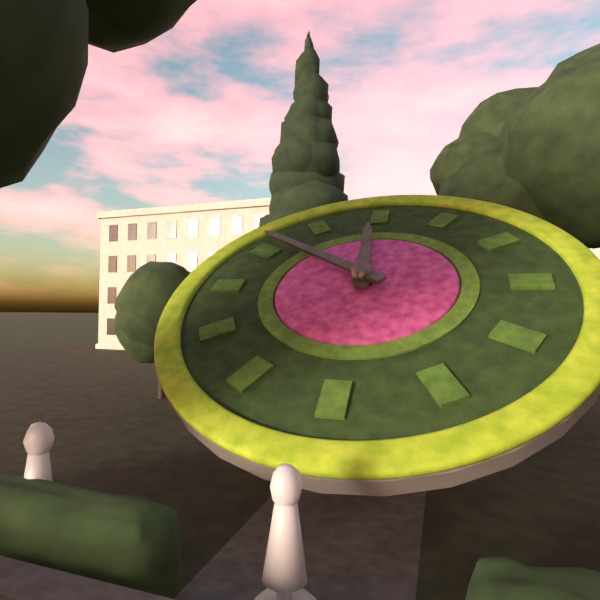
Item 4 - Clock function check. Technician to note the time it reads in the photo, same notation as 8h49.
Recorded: 11h51
